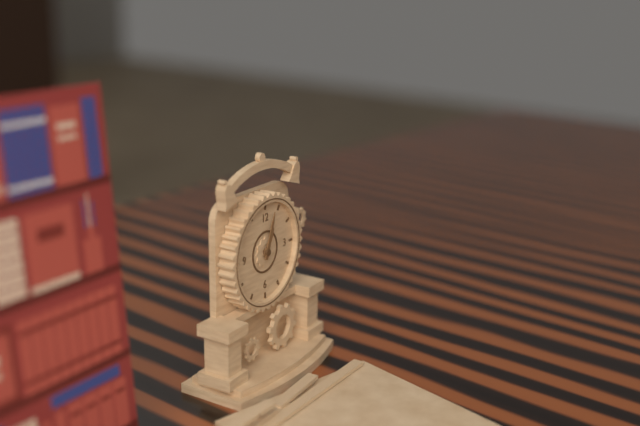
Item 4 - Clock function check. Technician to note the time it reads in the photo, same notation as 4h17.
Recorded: 1h03
